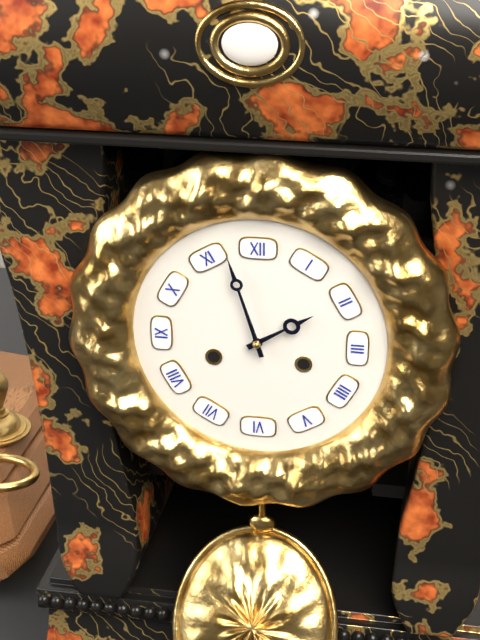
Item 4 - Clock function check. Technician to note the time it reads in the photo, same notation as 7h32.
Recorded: 1h57
